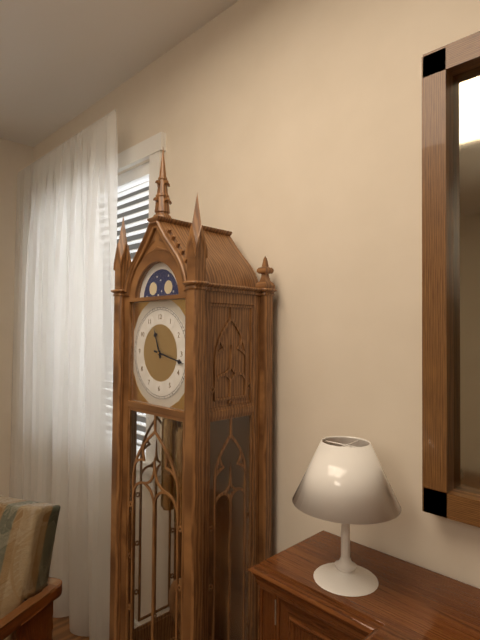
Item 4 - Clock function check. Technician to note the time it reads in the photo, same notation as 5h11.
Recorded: 11h17
